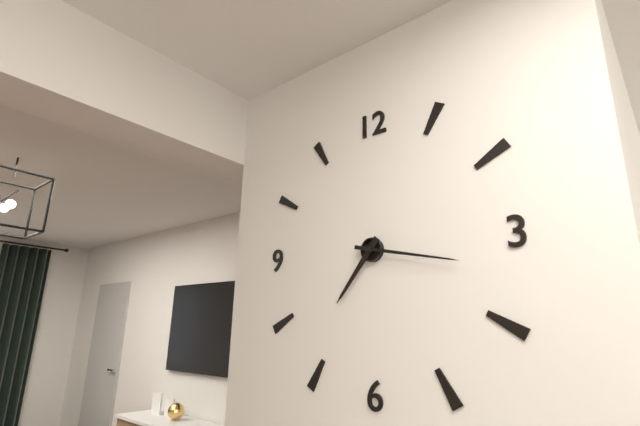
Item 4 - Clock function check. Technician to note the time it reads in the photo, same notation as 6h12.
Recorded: 7h17
